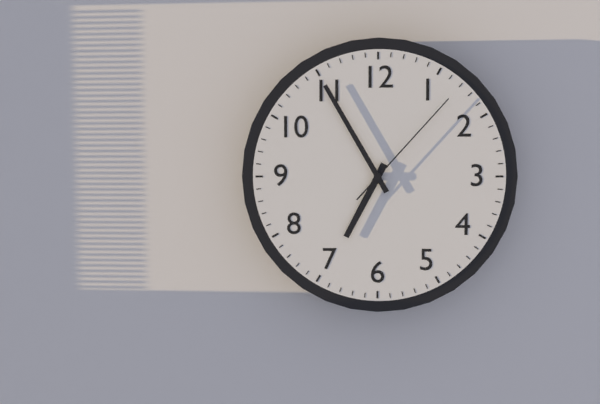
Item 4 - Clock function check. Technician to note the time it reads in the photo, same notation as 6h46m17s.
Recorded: 6h55m07s
